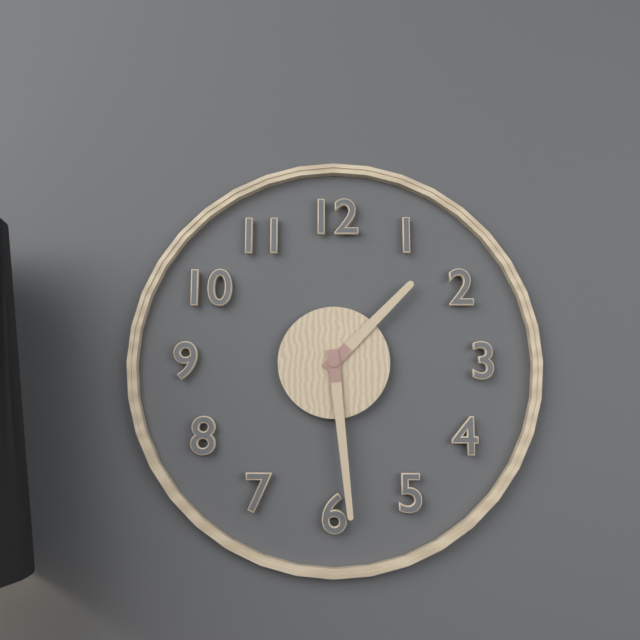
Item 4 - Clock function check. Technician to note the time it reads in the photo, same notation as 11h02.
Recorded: 1h29
